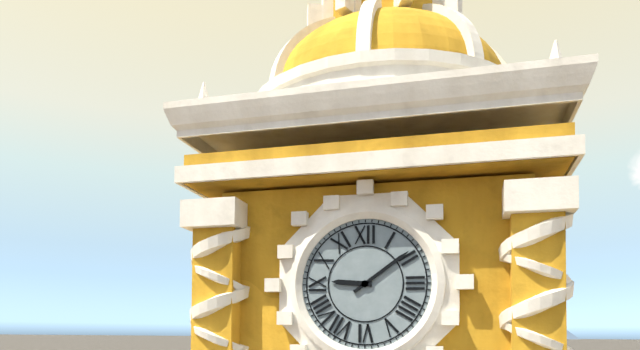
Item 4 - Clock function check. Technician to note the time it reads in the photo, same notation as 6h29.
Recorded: 9h09
